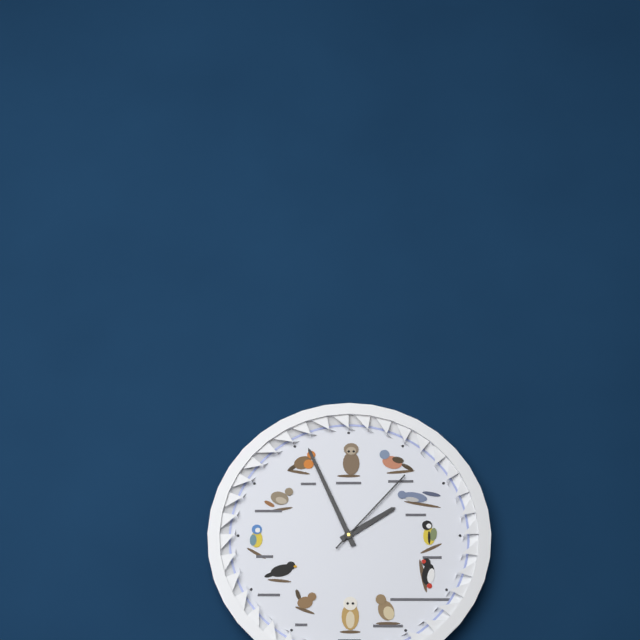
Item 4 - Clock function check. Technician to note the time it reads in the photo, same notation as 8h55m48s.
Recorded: 1h56m07s
